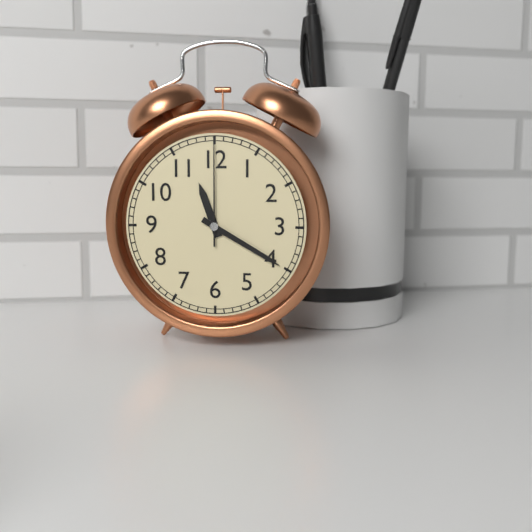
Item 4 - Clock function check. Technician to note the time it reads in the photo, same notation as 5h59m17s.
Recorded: 11h20m00s
